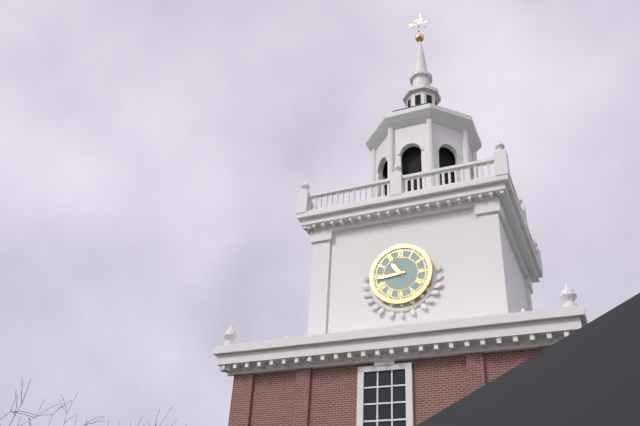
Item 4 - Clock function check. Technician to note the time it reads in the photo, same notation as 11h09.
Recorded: 10h44
